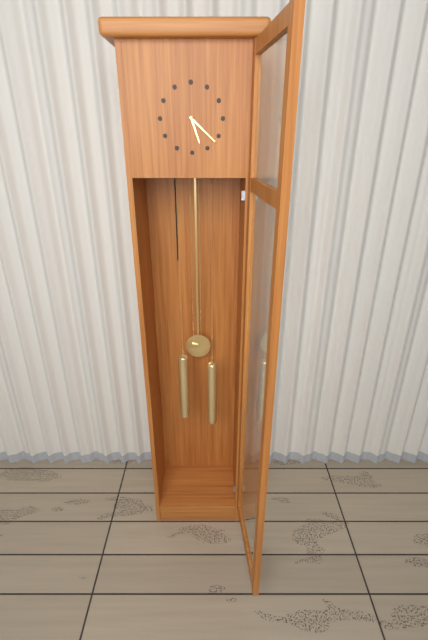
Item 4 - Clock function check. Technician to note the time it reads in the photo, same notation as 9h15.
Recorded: 5h22
